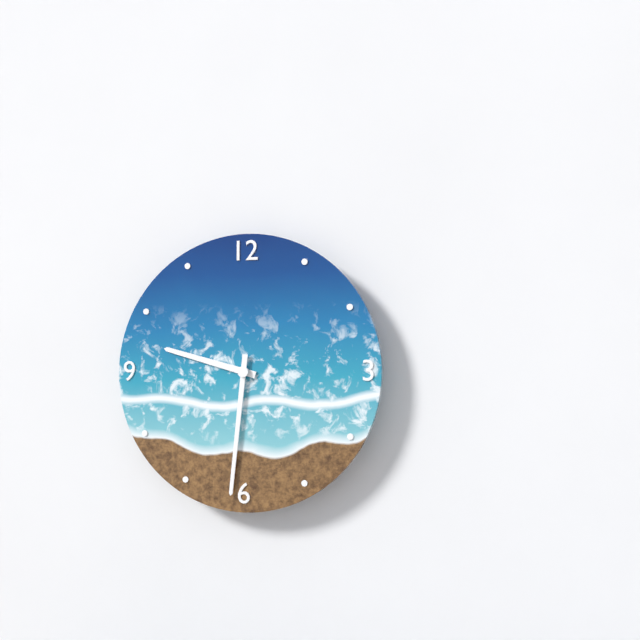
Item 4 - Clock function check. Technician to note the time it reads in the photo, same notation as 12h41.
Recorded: 9h31
